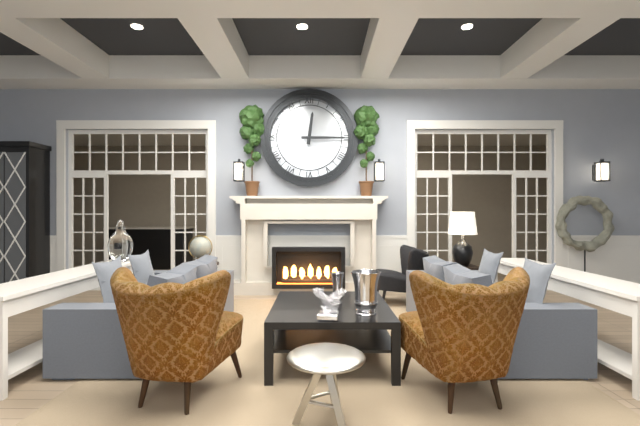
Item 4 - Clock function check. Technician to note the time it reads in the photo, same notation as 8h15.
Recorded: 12h15
